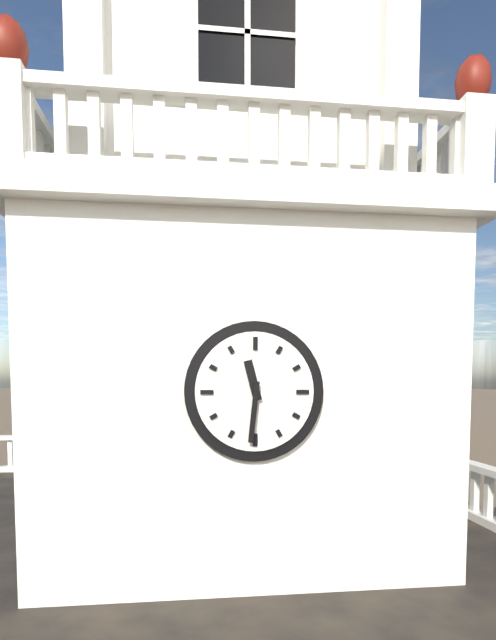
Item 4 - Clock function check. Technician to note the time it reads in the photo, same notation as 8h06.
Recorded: 11h31
